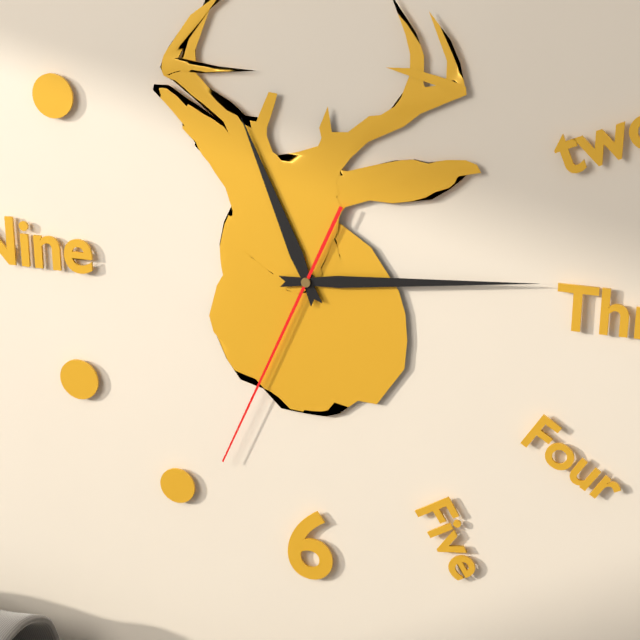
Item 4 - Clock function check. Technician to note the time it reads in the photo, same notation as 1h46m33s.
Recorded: 11h14m34s
